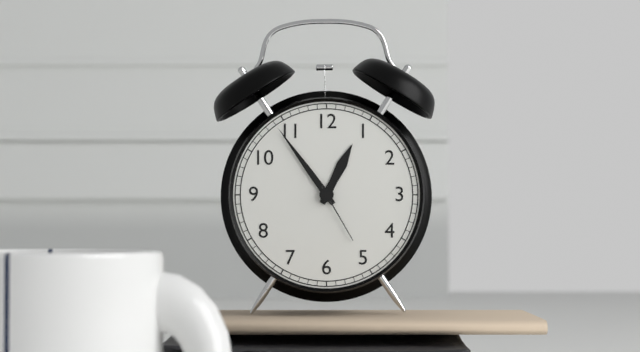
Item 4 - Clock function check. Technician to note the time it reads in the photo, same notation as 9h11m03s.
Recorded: 12h54m25s
